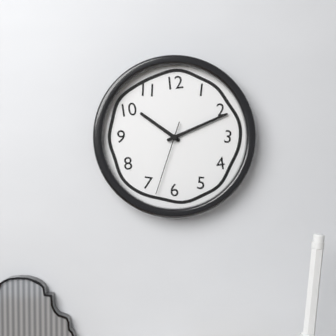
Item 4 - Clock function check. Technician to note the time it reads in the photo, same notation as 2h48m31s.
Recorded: 10h11m33s
